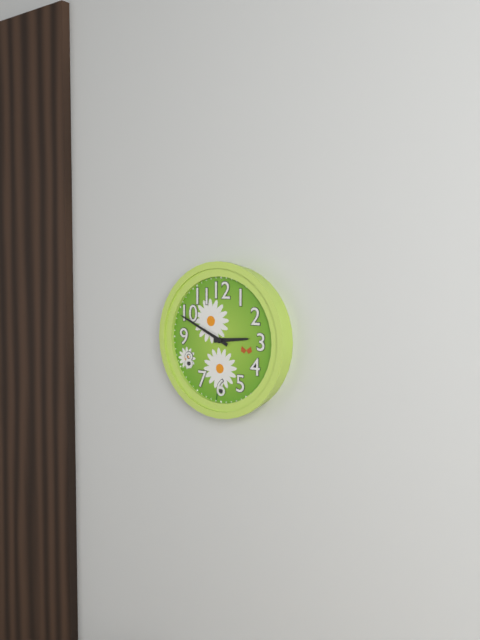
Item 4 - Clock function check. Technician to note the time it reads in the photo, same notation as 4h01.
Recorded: 2h49
